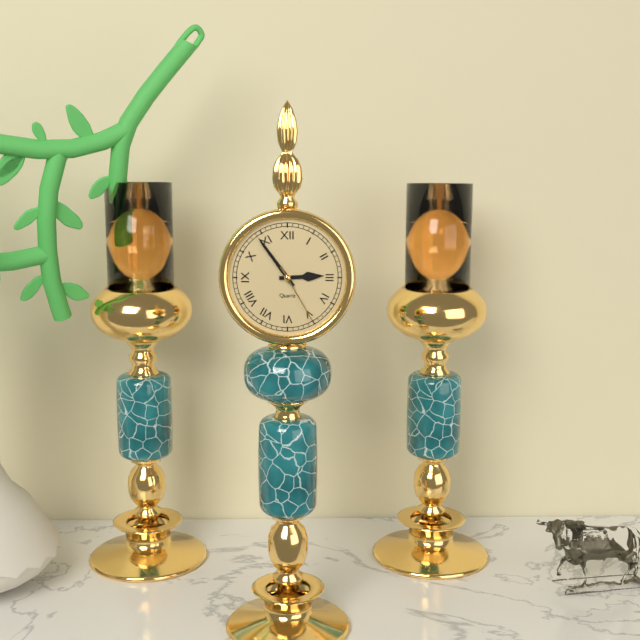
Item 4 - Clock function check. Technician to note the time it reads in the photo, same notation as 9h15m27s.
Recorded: 2h54m25s
